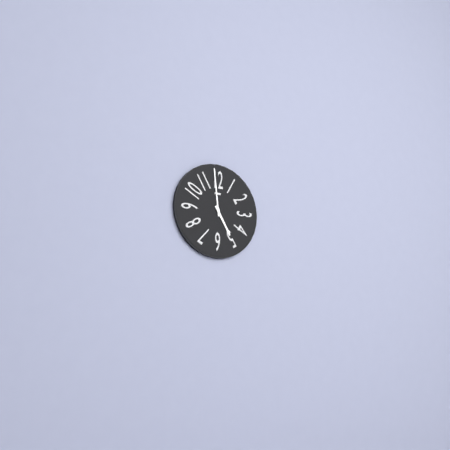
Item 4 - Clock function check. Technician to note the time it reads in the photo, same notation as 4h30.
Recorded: 4h59
